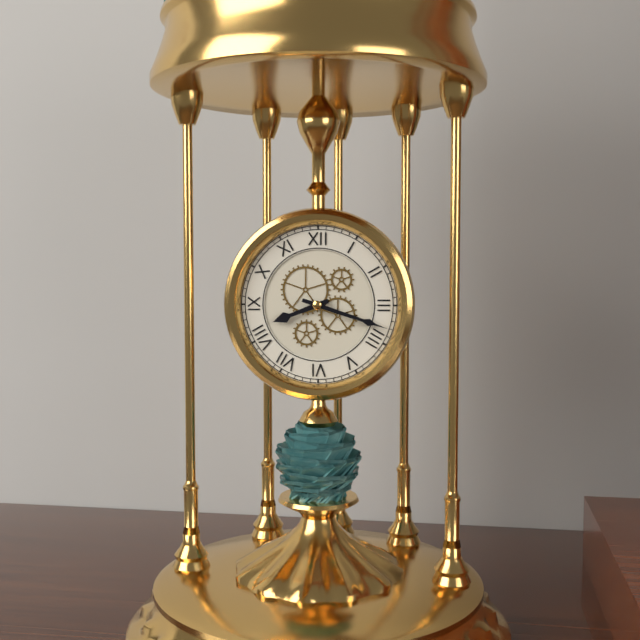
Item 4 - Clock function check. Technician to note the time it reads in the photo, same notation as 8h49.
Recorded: 8h18
